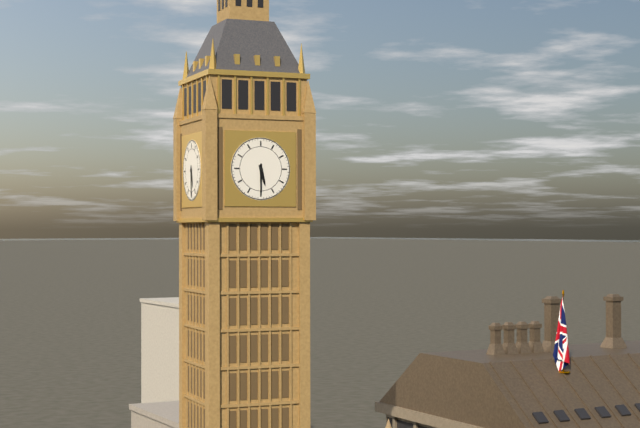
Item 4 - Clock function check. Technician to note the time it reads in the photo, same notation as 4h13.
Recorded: 5h30
